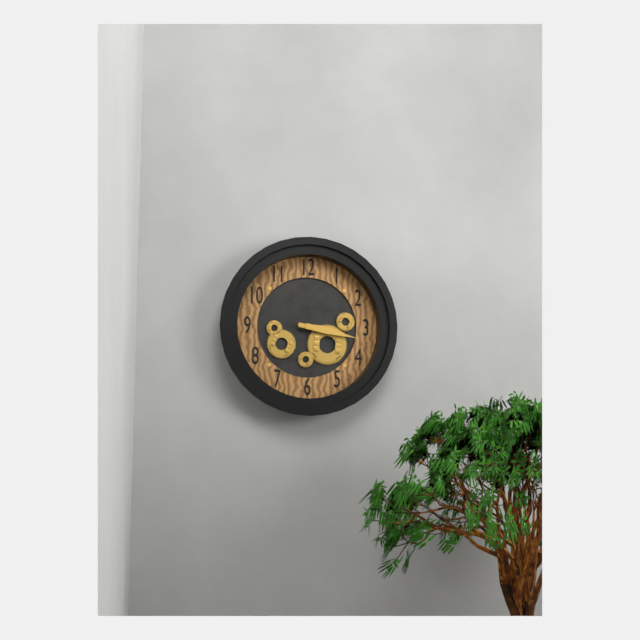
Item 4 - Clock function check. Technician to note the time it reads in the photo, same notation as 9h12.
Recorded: 3h17
